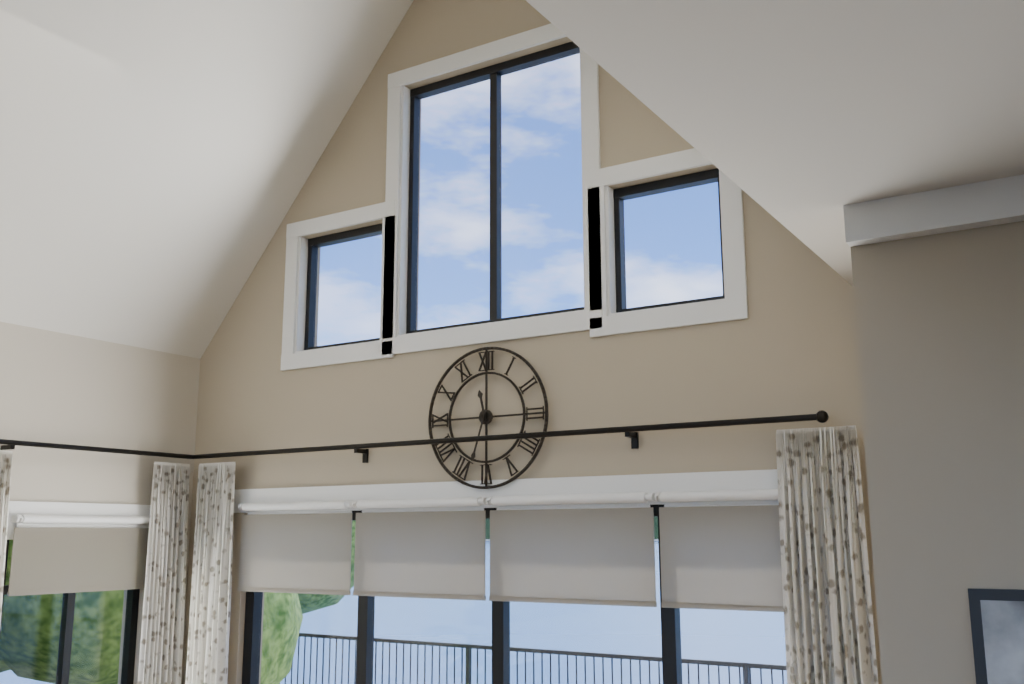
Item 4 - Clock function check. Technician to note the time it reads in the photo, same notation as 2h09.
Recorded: 11h33
